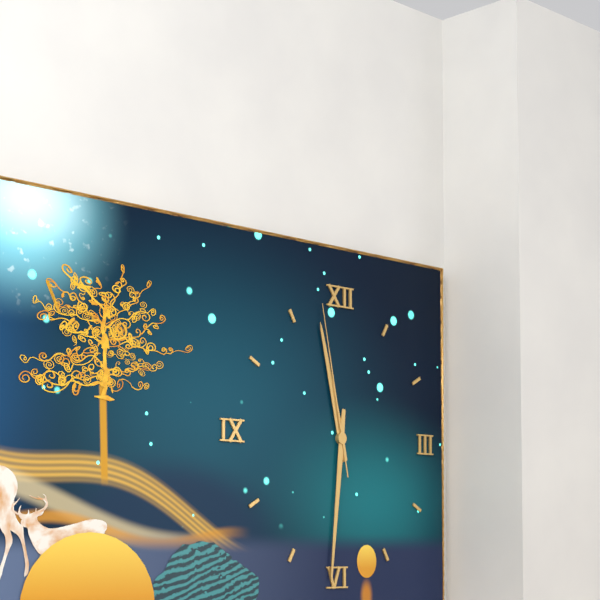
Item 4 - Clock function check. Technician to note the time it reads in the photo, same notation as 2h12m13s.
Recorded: 11h31m58s
